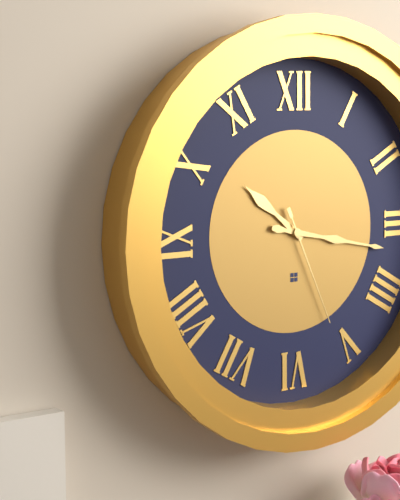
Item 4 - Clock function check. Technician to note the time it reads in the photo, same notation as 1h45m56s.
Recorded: 10h17m26s
